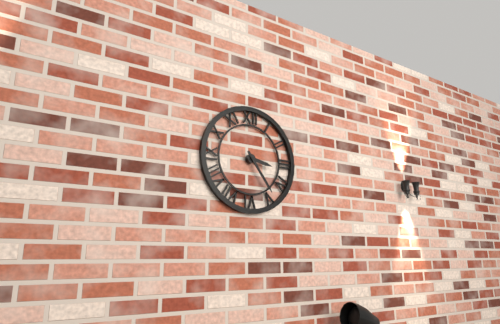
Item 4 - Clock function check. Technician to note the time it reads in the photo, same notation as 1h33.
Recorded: 3h24
